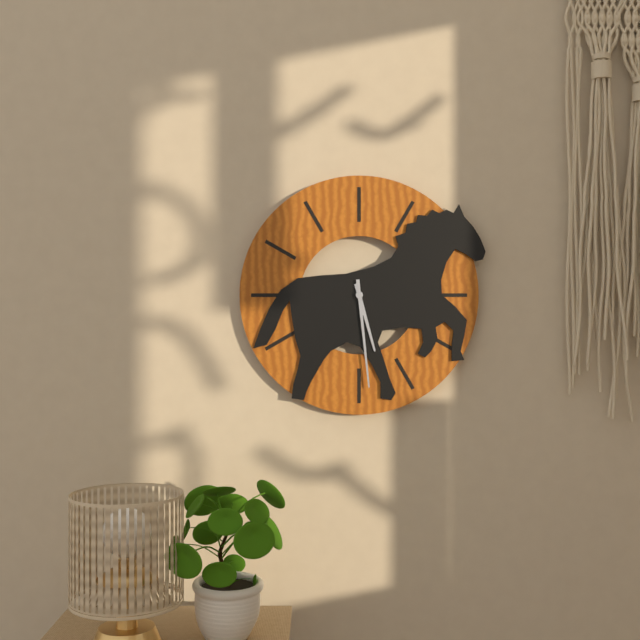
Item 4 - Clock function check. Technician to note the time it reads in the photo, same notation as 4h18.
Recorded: 5h29
